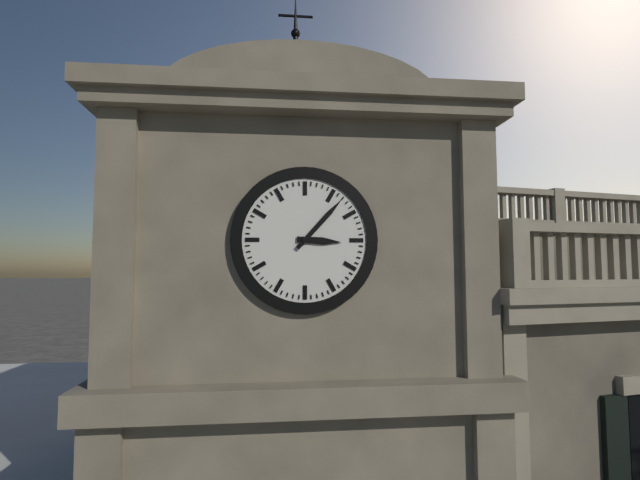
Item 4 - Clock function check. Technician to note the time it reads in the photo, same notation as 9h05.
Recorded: 3h07
